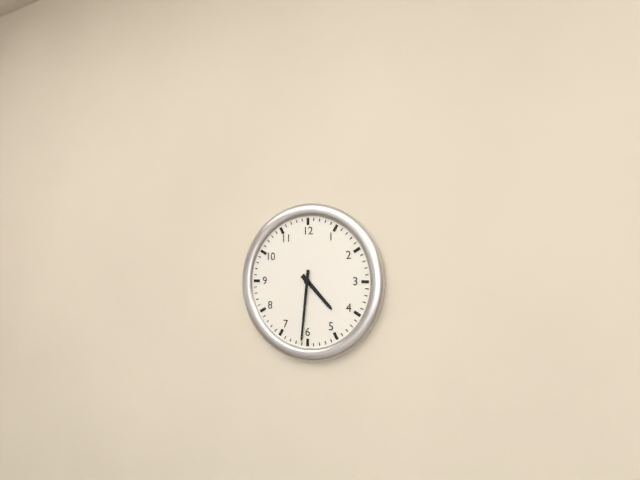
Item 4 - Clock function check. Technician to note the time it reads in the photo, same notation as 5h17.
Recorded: 4h31
